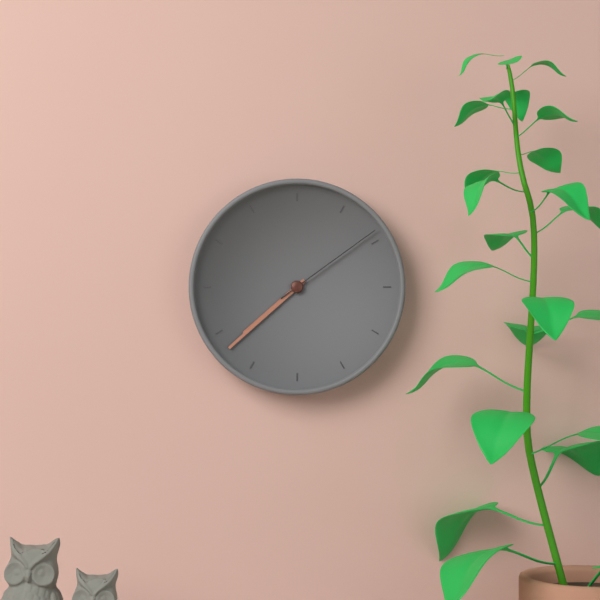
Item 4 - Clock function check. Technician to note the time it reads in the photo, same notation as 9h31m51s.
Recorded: 7h38m09s
